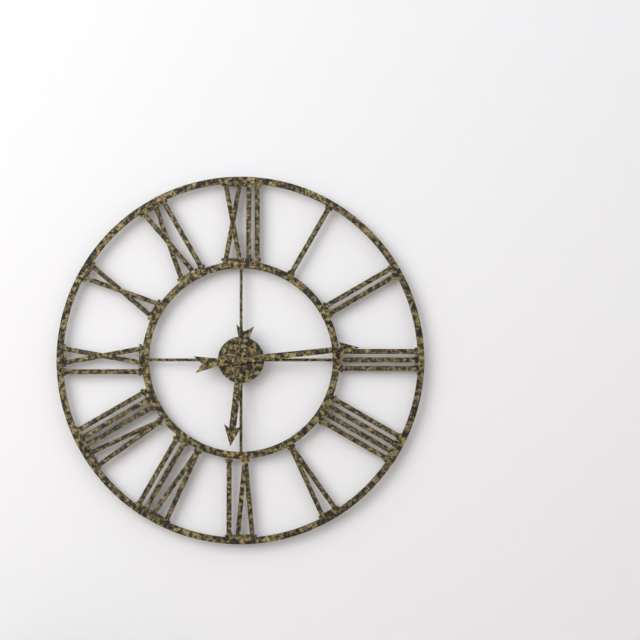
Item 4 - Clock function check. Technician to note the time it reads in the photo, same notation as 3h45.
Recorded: 6h14
